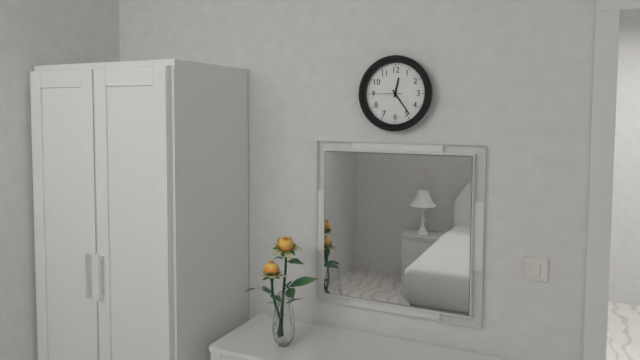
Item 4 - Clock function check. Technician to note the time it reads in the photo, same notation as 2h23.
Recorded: 12h24
